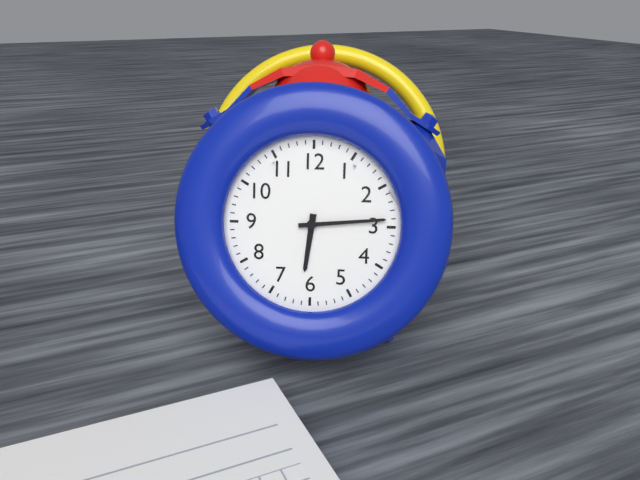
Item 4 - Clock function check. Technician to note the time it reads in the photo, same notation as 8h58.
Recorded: 6h14
